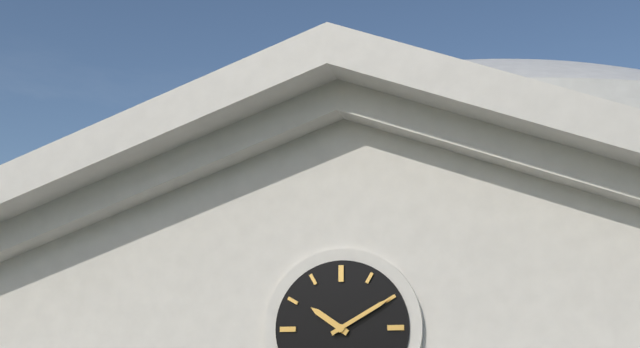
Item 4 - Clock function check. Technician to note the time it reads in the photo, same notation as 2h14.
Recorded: 10h10
